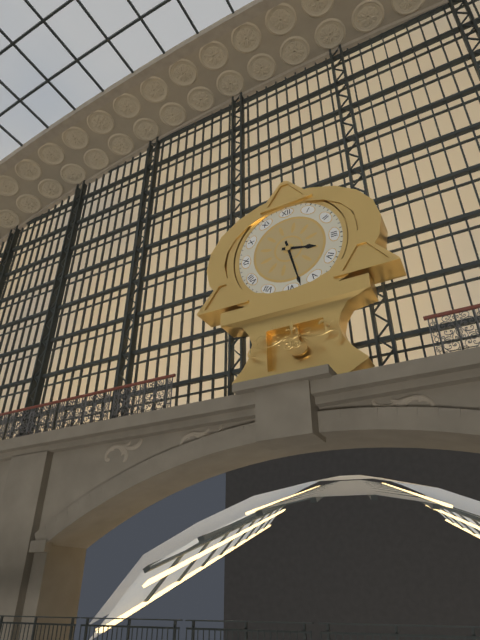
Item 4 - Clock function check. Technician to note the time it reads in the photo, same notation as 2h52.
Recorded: 3h28
